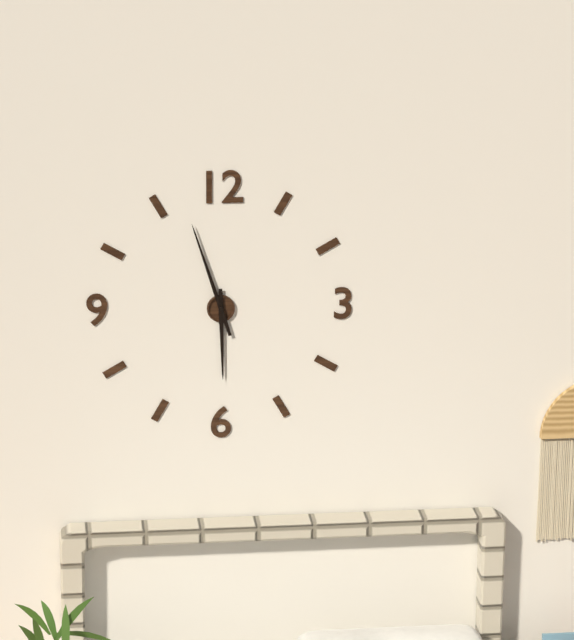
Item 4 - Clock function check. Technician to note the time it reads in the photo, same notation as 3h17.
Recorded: 5h57
